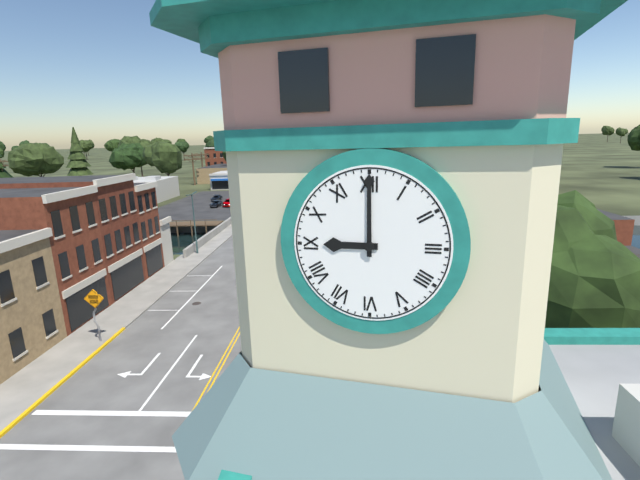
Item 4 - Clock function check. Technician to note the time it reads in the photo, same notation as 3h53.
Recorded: 9h00
